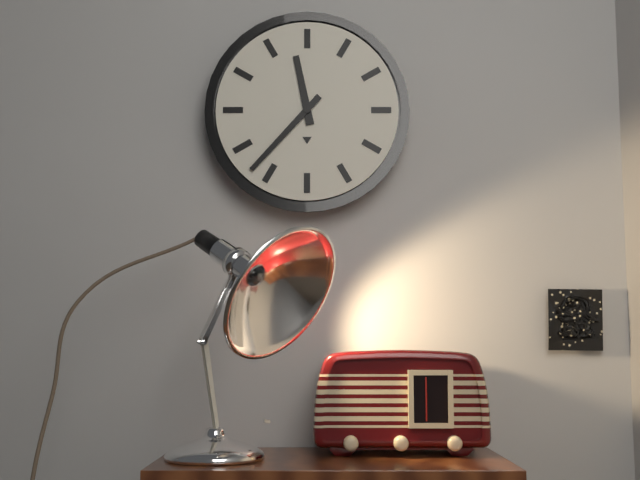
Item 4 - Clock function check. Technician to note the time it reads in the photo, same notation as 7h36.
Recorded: 11h37
